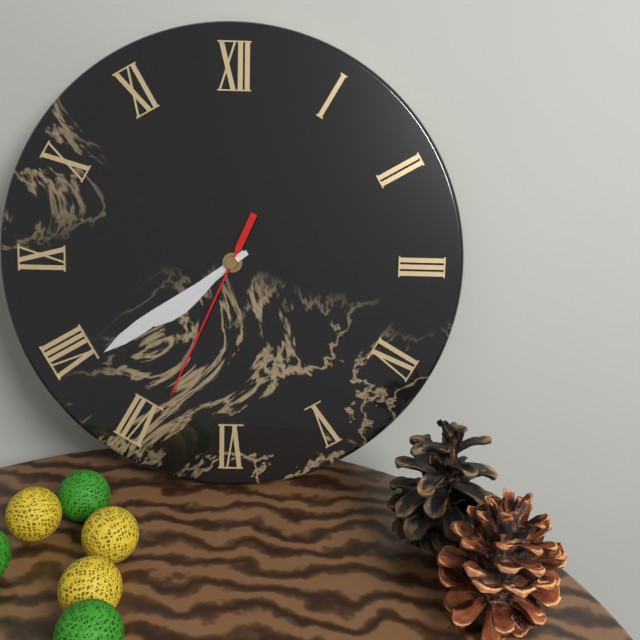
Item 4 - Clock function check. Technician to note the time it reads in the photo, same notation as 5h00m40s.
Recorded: 7h39m34s
